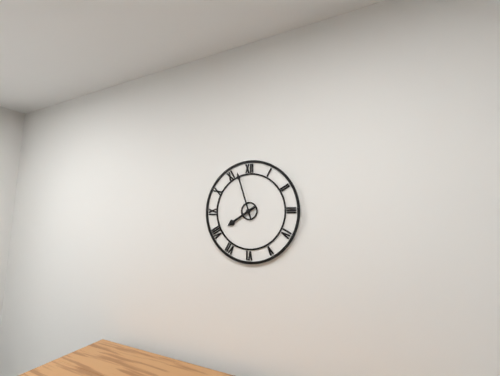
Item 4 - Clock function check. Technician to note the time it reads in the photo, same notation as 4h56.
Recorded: 7h57
